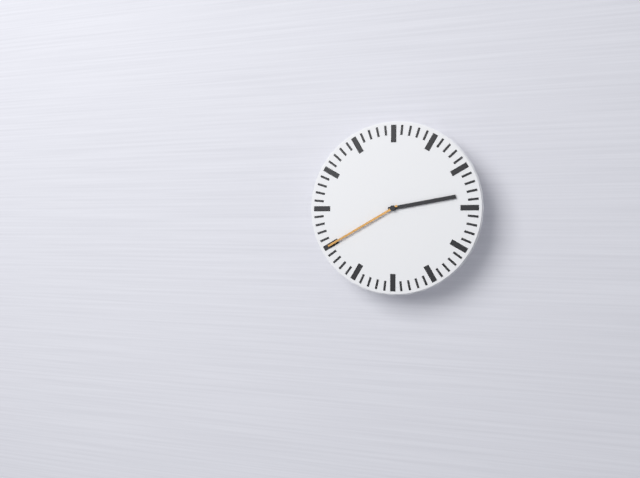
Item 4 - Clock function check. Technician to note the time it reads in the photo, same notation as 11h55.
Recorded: 2h40
